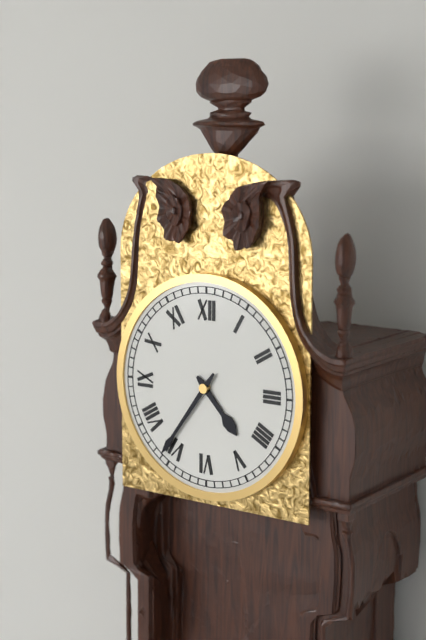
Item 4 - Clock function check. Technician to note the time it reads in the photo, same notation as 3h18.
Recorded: 4h36
